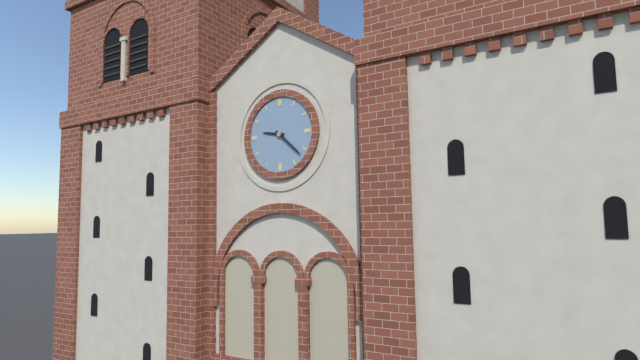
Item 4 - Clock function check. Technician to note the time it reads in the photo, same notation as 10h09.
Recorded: 9h22
